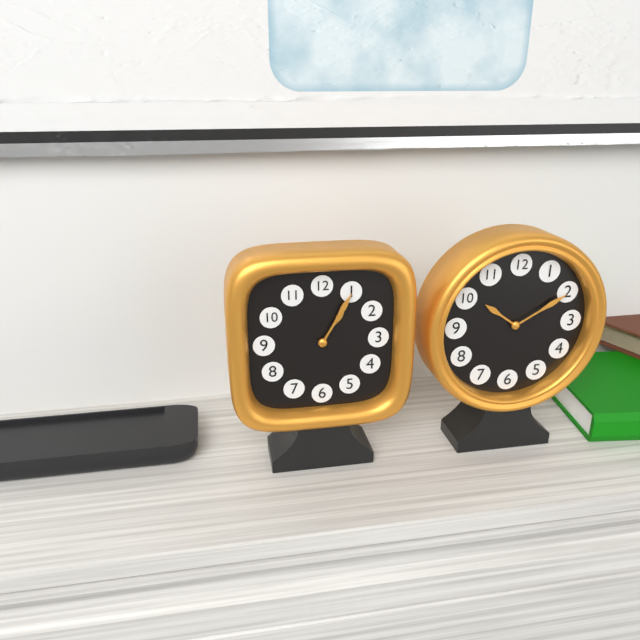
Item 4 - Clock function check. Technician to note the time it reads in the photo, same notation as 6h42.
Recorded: 1h05
